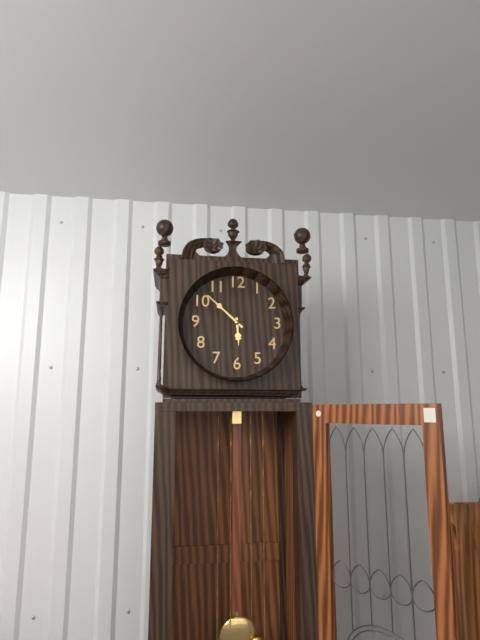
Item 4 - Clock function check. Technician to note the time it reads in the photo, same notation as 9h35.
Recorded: 5h52
